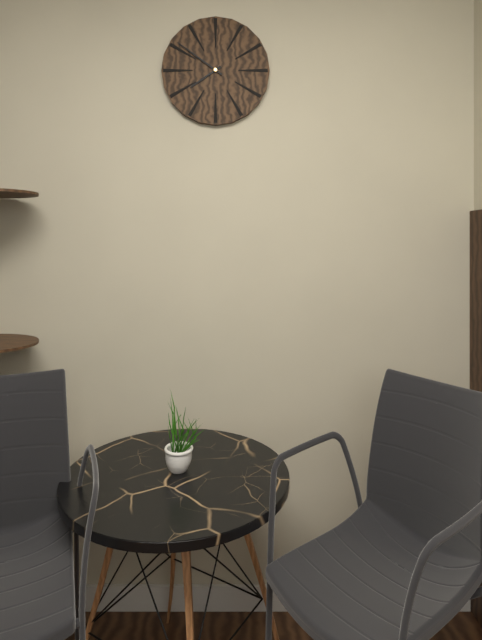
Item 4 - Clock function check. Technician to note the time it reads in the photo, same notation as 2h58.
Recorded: 7h51
